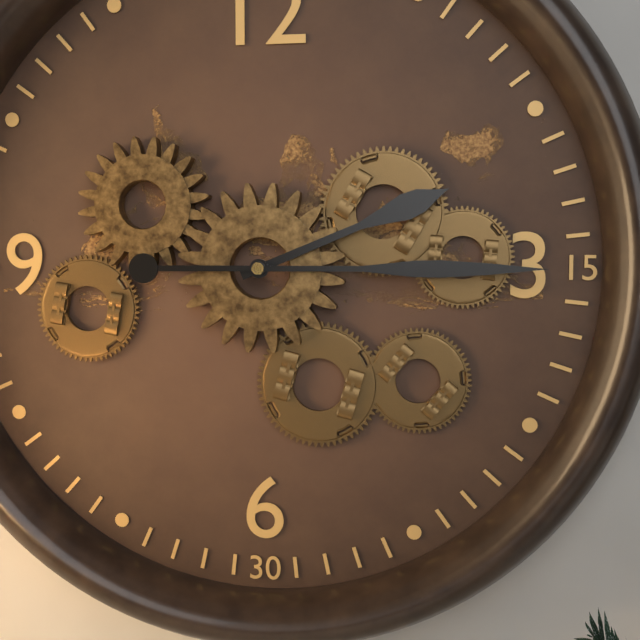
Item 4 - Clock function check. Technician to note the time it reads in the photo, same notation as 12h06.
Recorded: 2h15
